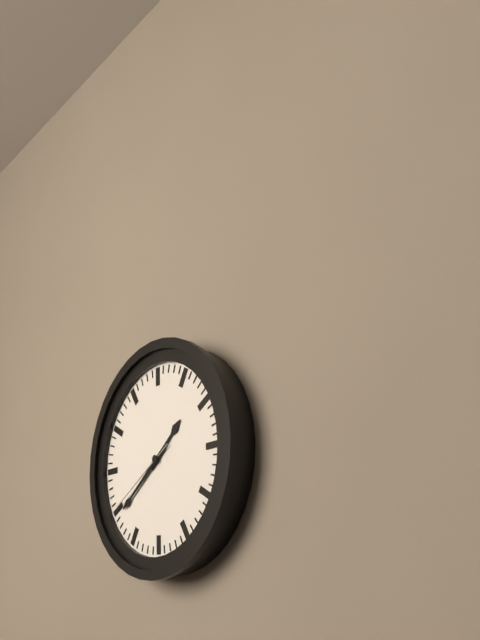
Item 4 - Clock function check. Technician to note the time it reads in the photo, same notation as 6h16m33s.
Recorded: 1h39m40s
